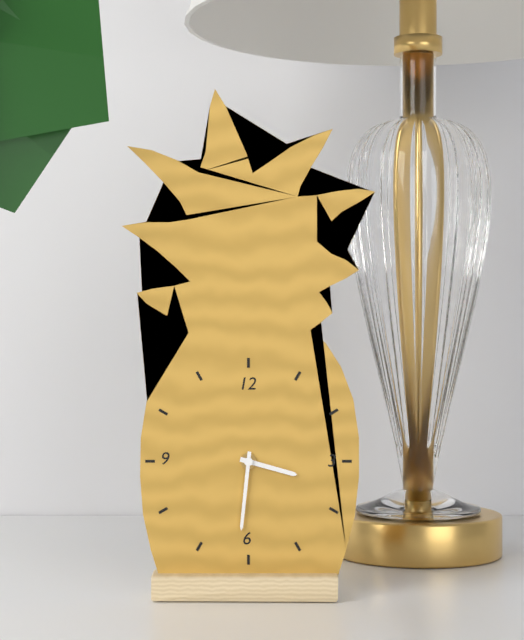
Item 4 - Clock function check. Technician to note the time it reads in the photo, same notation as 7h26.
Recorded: 3h31
